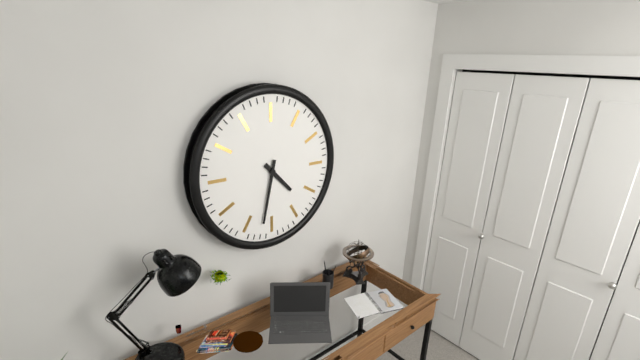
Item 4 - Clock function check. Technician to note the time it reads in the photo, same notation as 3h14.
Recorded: 4h32
